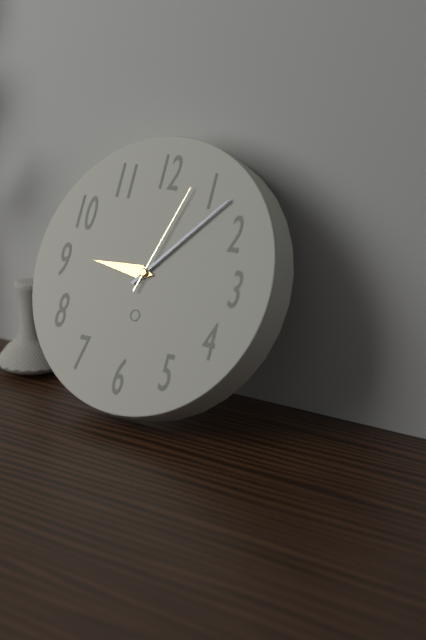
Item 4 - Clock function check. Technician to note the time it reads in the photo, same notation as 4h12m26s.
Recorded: 9h07m03s
